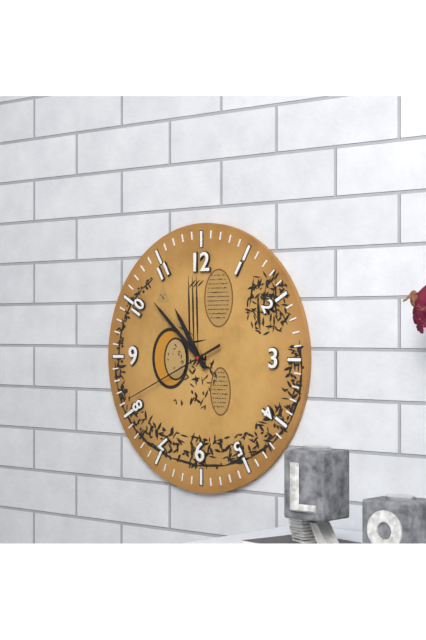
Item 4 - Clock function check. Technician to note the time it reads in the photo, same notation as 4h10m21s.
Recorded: 10h52m41s
